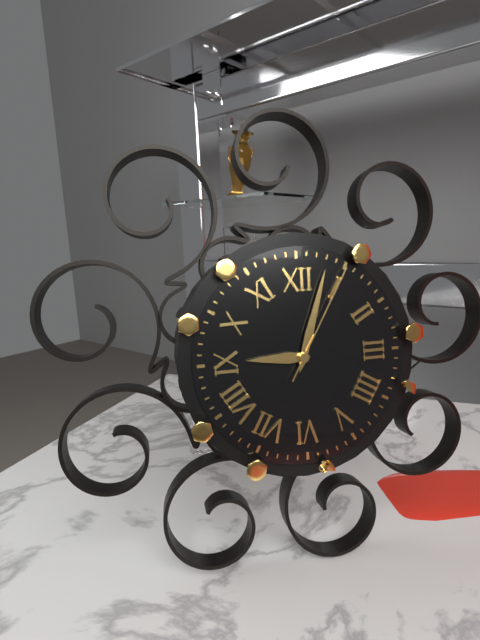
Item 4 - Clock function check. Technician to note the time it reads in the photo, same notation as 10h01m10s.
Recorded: 9h03m05s
